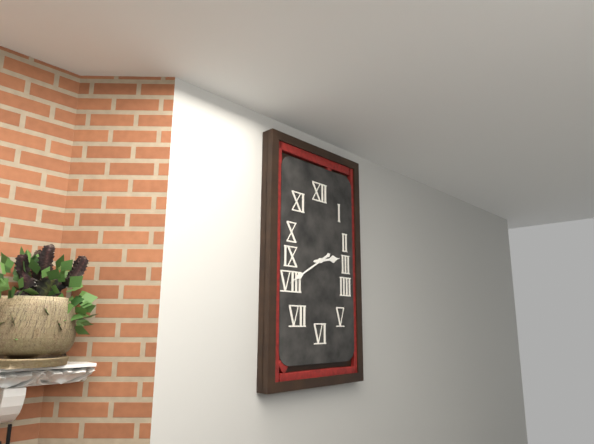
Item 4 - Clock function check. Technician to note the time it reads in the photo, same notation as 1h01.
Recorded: 2h40
